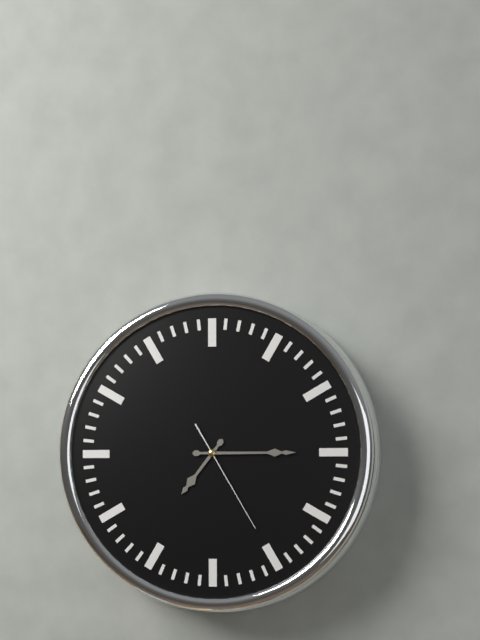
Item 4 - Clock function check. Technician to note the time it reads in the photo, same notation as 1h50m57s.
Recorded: 7h15m25s
